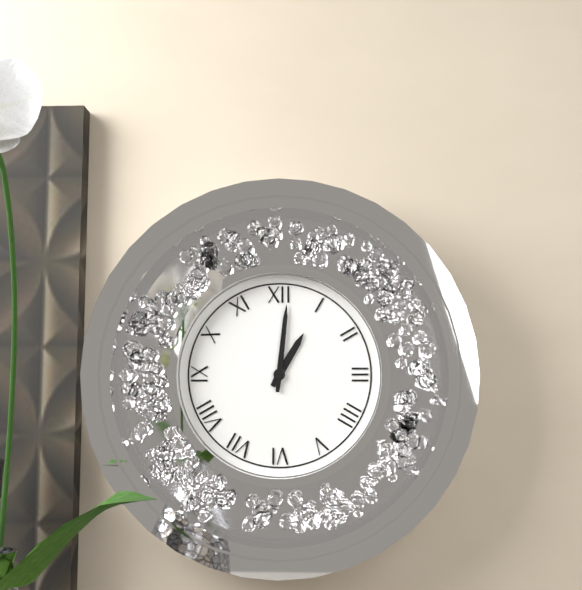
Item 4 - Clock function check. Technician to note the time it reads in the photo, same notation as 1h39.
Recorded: 1h01
